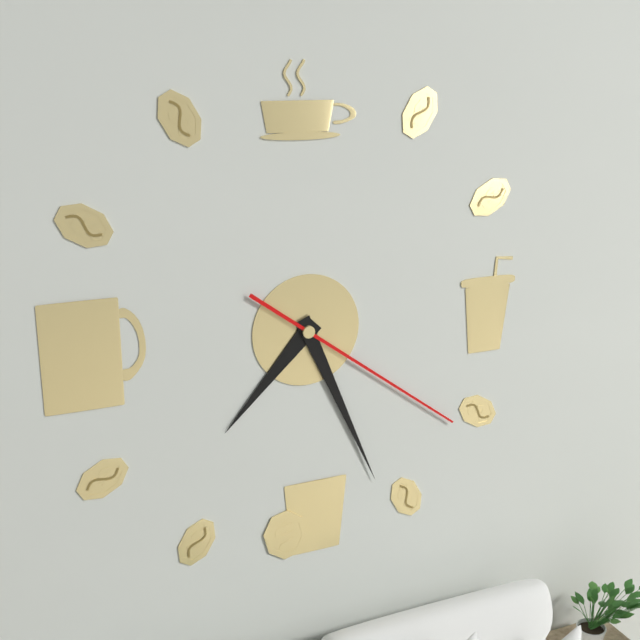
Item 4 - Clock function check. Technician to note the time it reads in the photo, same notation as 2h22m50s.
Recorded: 7h26m21s
